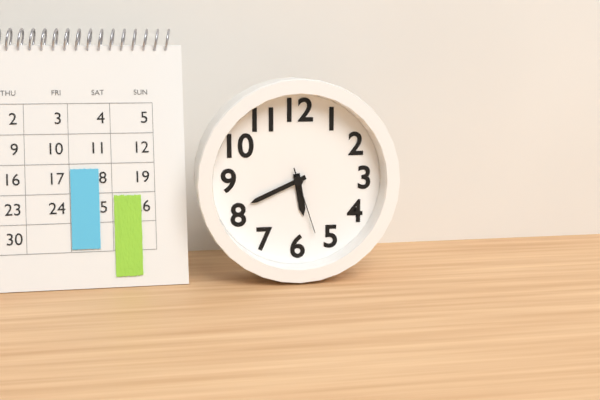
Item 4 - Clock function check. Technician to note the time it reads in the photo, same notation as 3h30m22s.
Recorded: 5h41m27s
